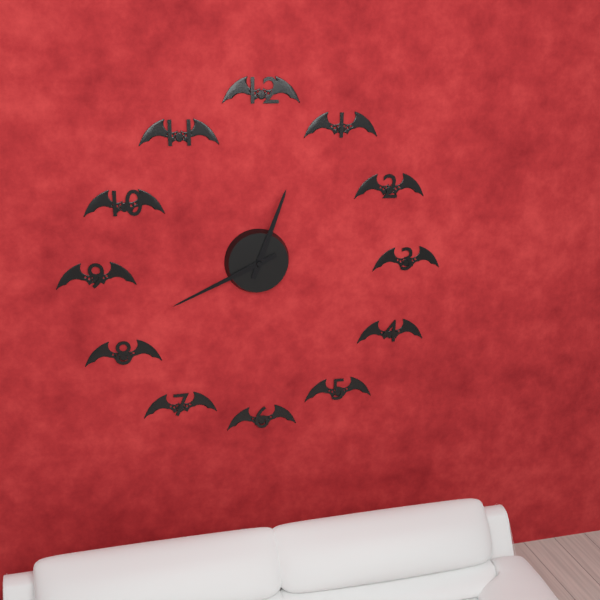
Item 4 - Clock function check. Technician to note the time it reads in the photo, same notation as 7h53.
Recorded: 12h41
